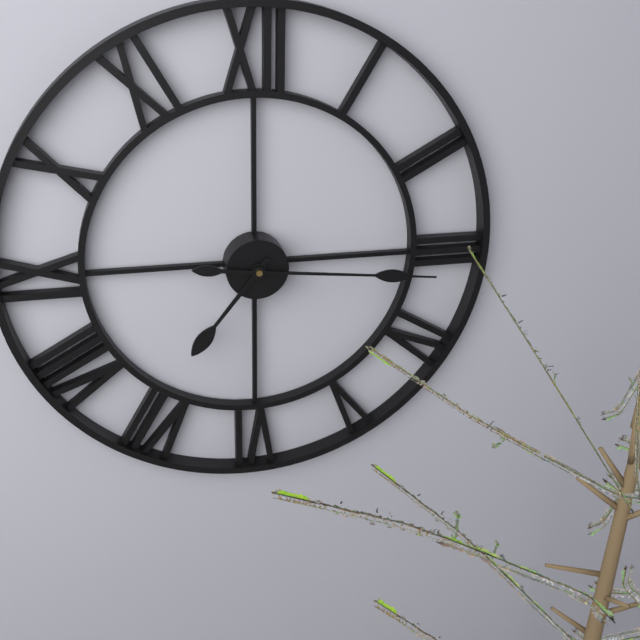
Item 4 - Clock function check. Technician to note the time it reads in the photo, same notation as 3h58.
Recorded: 7h16
